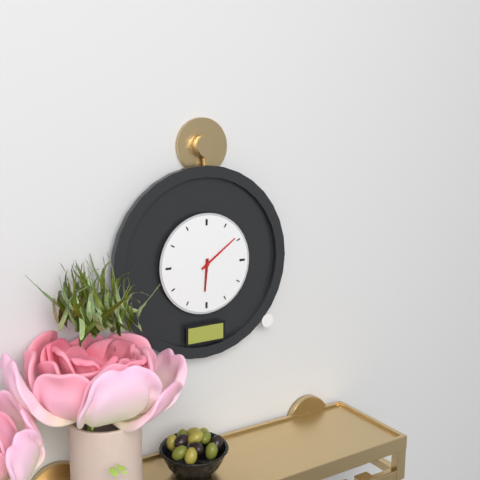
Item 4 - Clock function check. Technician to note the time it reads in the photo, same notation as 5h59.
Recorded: 6h09
